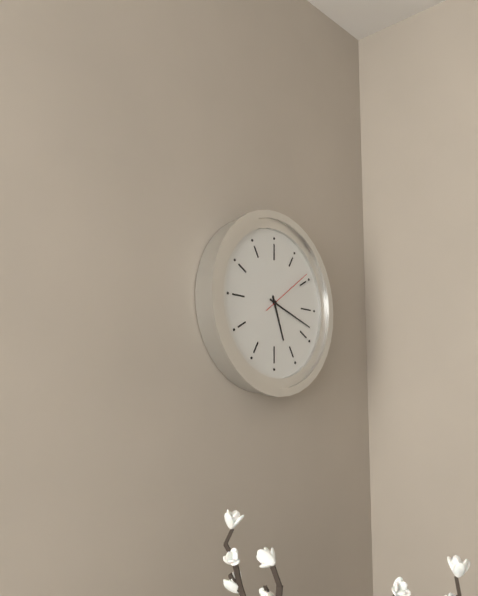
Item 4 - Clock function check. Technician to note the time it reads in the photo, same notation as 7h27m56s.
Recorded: 5h18m09s
